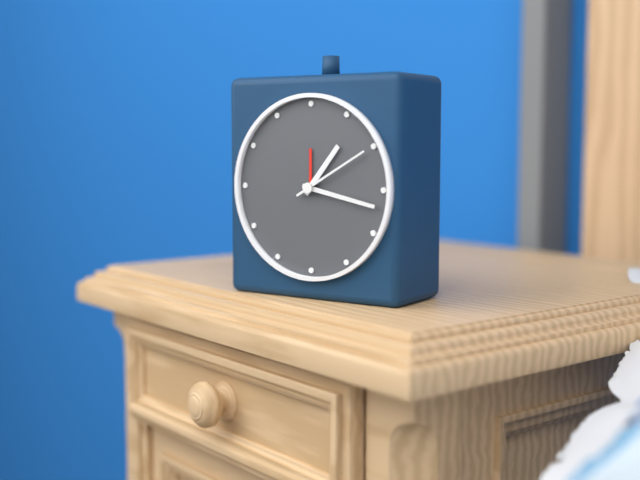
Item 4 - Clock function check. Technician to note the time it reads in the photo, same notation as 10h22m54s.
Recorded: 1h17m10s
